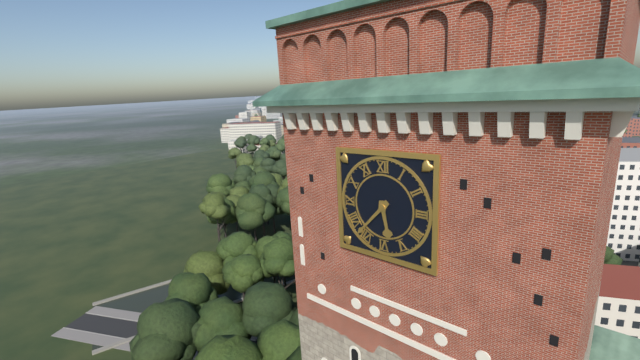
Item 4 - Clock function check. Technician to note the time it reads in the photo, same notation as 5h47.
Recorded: 5h37
